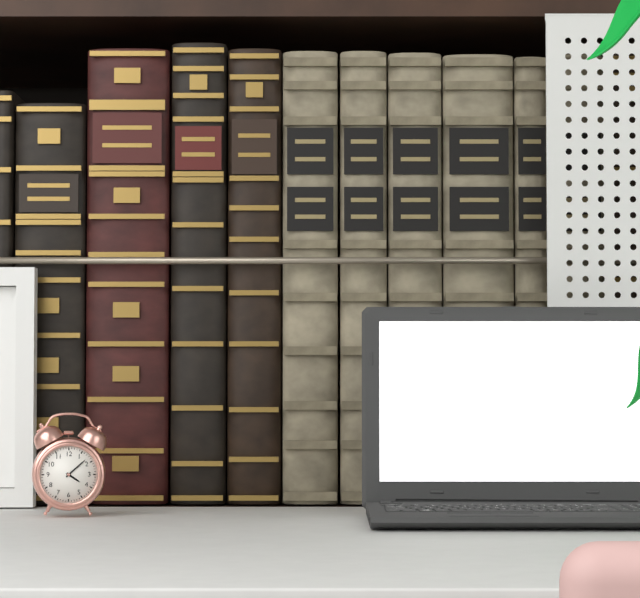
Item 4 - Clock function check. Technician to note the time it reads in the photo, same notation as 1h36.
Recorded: 4h08
